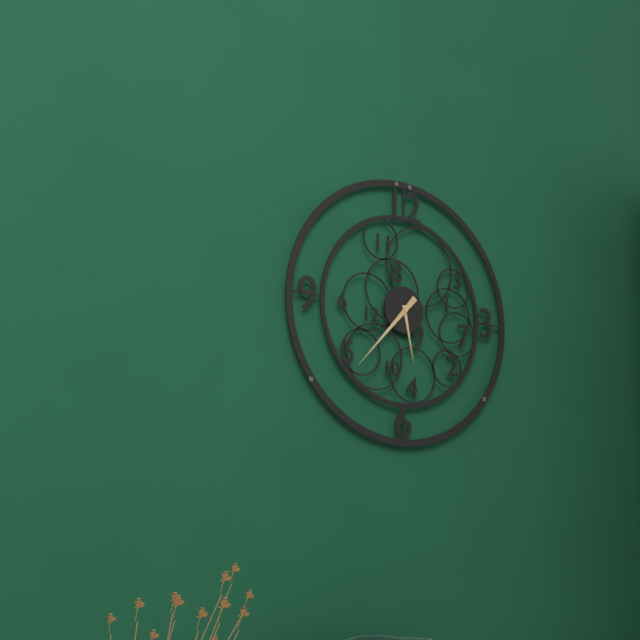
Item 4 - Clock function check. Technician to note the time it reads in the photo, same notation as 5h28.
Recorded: 5h37
